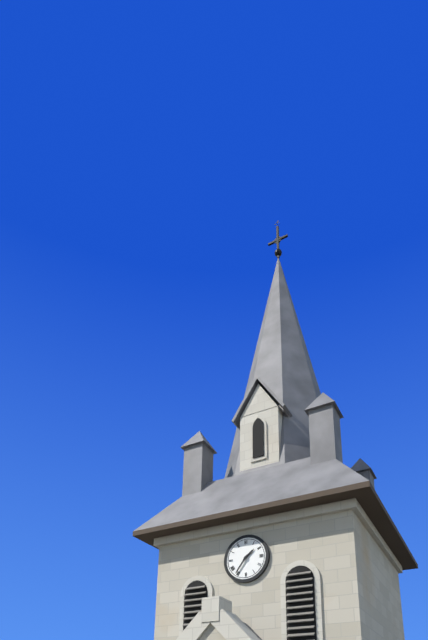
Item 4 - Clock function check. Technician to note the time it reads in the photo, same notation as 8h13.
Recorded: 1h36
